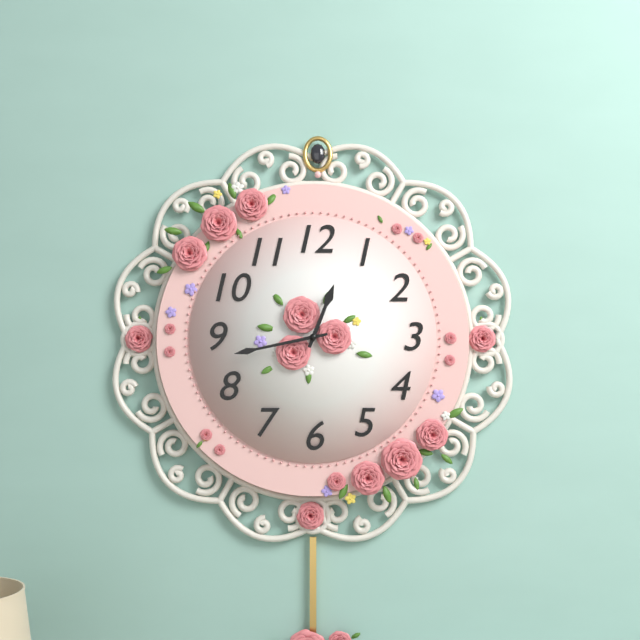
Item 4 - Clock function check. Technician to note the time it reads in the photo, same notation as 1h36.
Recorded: 12h43
